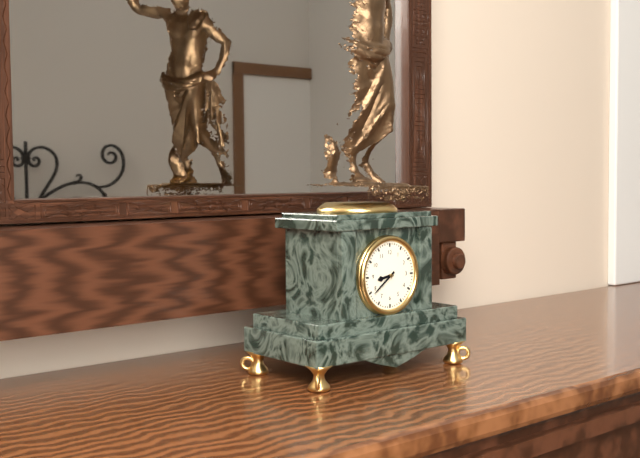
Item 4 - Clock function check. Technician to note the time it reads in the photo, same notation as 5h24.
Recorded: 8h39
